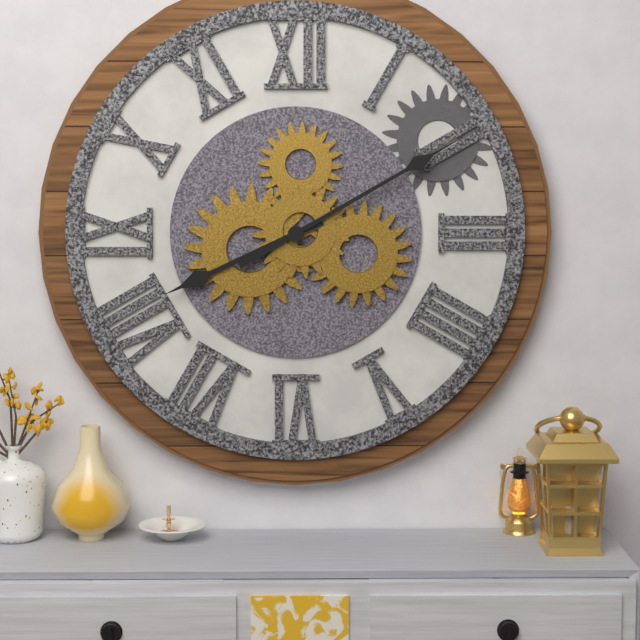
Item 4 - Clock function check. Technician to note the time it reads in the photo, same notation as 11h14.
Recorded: 8h10
